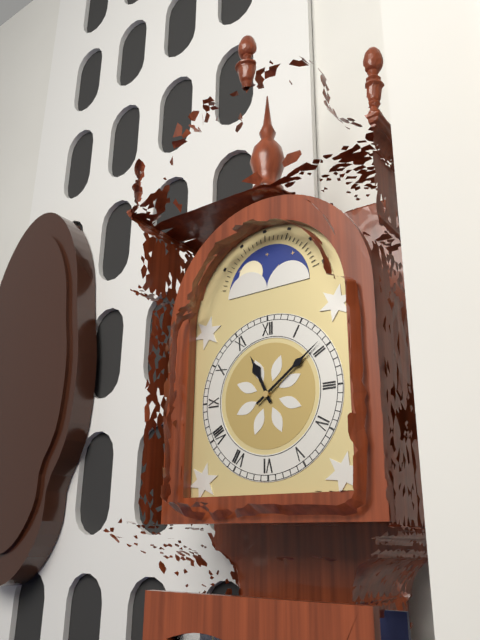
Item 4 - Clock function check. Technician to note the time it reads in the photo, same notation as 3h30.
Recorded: 11h09
